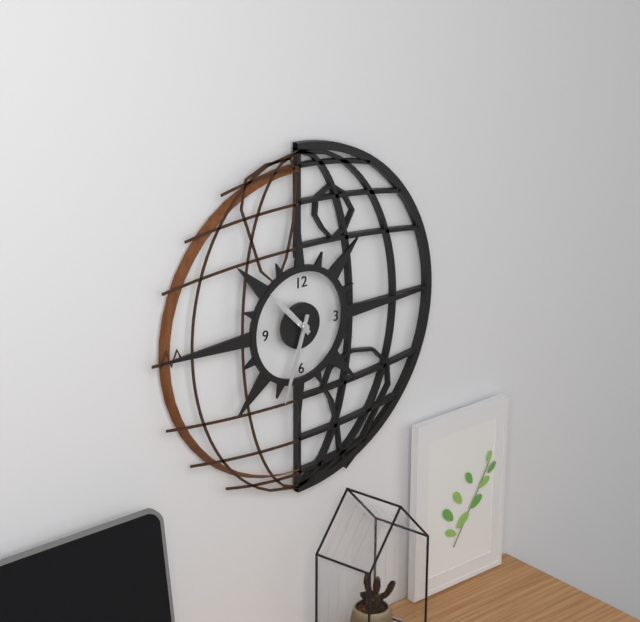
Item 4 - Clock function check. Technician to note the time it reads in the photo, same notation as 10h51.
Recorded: 10h33
